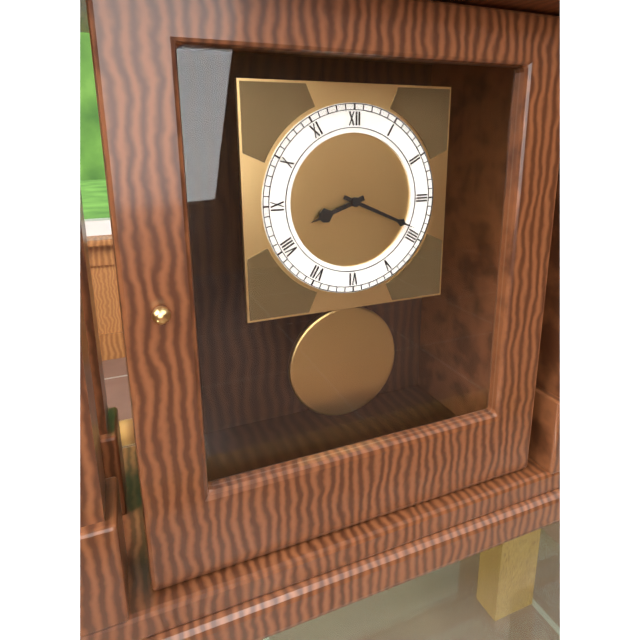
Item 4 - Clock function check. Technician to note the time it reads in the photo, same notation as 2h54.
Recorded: 8h19
